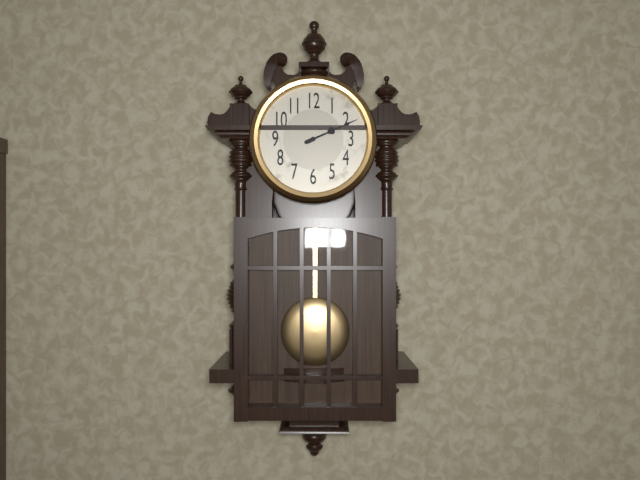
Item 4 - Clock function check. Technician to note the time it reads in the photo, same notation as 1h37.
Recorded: 2h11
